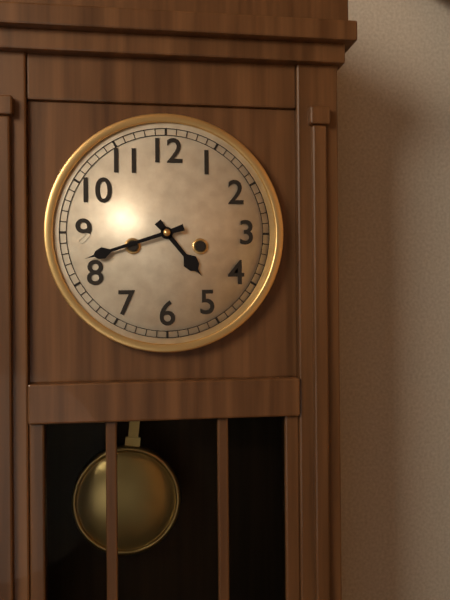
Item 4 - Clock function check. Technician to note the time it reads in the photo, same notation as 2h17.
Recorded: 4h42
